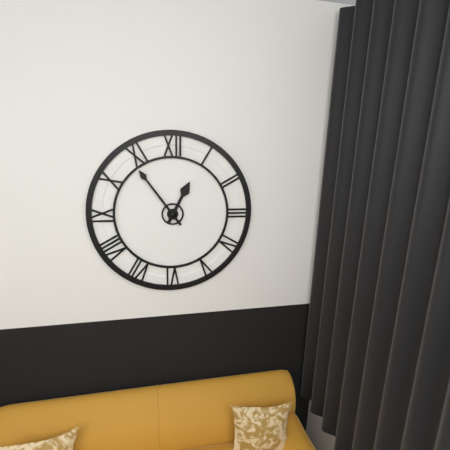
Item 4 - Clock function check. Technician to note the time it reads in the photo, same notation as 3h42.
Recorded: 12h54
